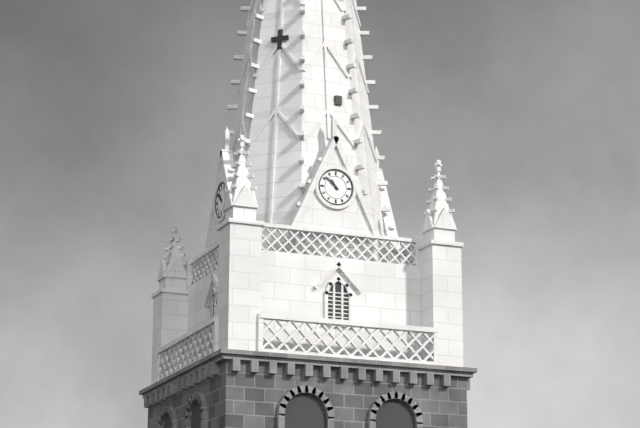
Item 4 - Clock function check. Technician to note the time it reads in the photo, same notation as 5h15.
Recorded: 10h52
